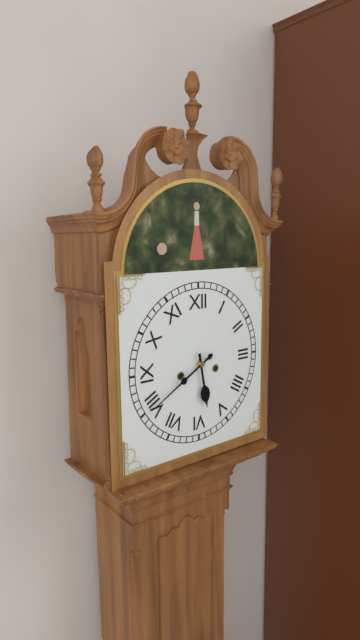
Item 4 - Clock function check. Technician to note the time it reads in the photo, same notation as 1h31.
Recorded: 5h40
